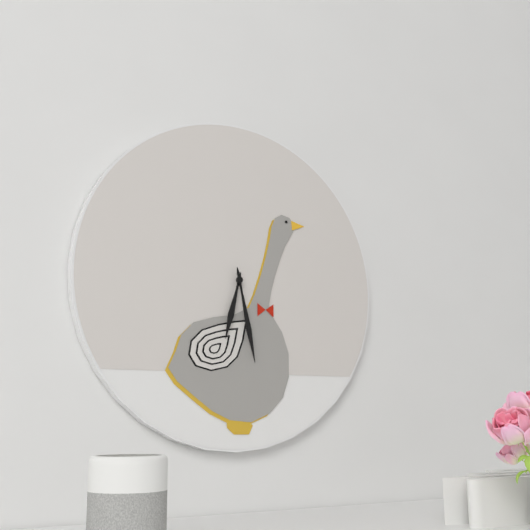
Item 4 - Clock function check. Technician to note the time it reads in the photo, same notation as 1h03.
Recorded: 6h28
